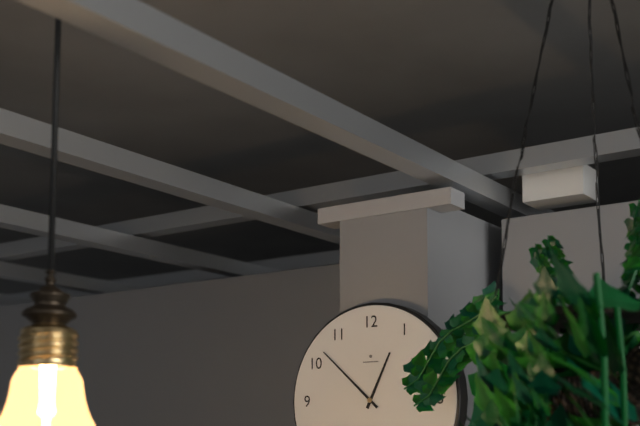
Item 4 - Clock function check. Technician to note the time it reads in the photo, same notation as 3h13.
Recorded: 12h52
